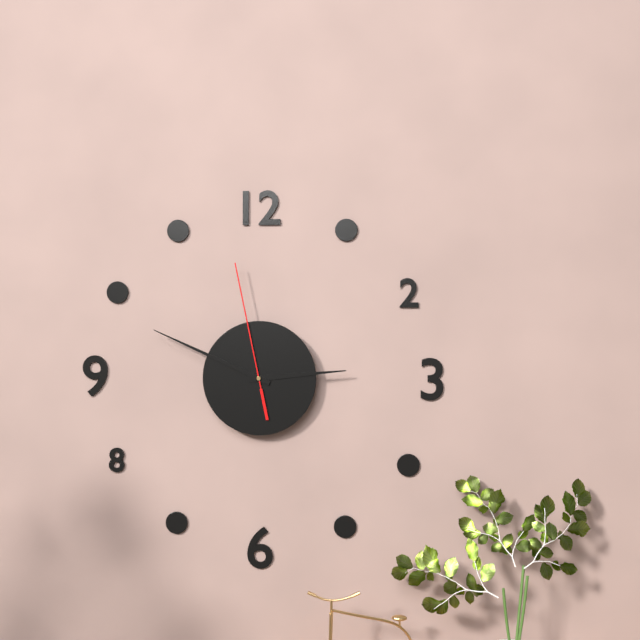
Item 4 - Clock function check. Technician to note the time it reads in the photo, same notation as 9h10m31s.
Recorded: 2h49m58s
